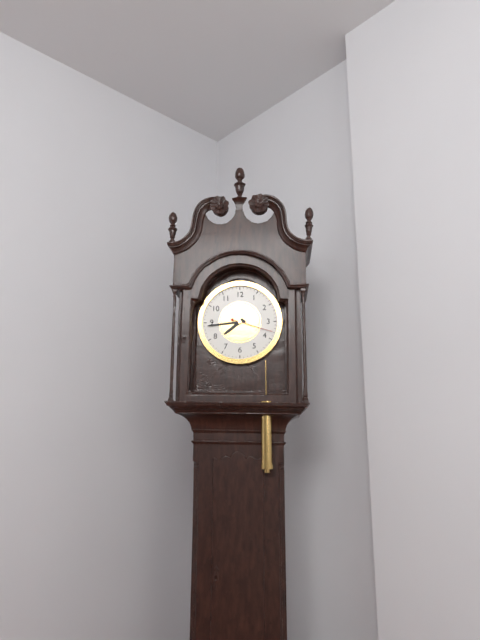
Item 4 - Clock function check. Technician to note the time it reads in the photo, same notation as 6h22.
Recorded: 7h44
